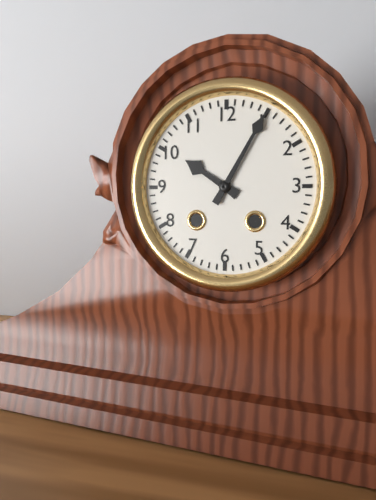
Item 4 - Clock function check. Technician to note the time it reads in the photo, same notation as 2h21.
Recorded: 10h05
